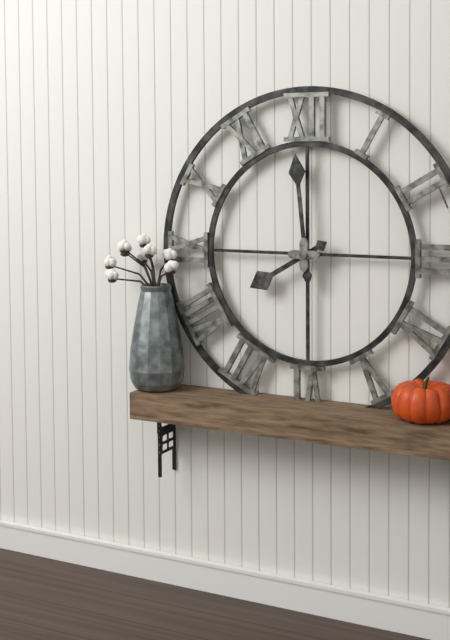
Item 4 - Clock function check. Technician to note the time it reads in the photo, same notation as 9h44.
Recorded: 7h59
